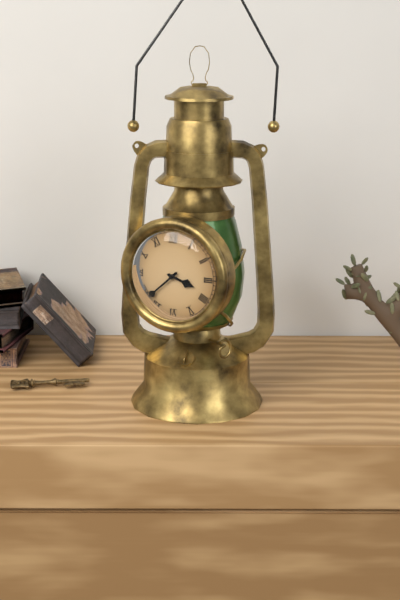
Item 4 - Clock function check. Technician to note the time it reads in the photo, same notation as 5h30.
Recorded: 3h38
